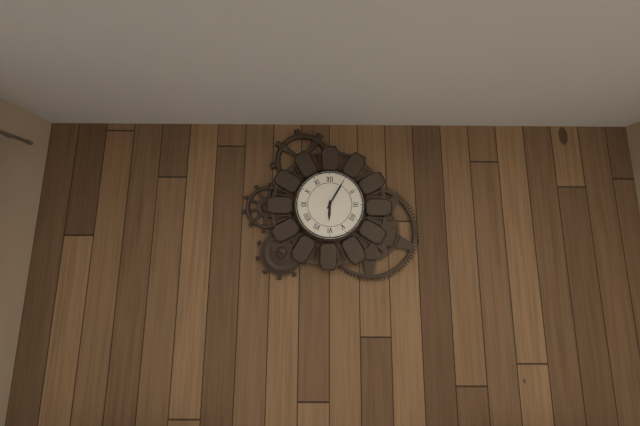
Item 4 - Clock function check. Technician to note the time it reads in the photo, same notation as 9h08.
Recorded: 6h05
